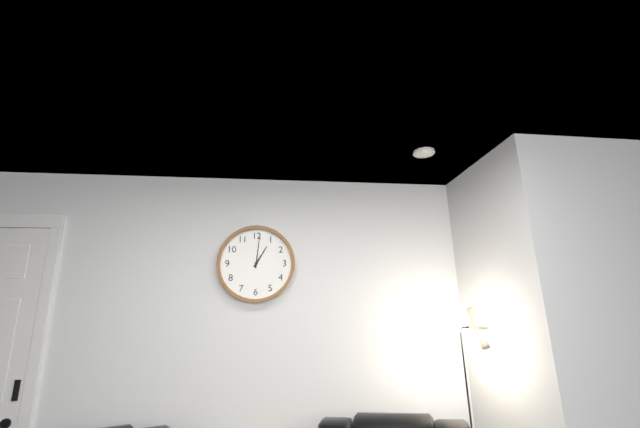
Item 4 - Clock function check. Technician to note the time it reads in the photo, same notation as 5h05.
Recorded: 1h01
